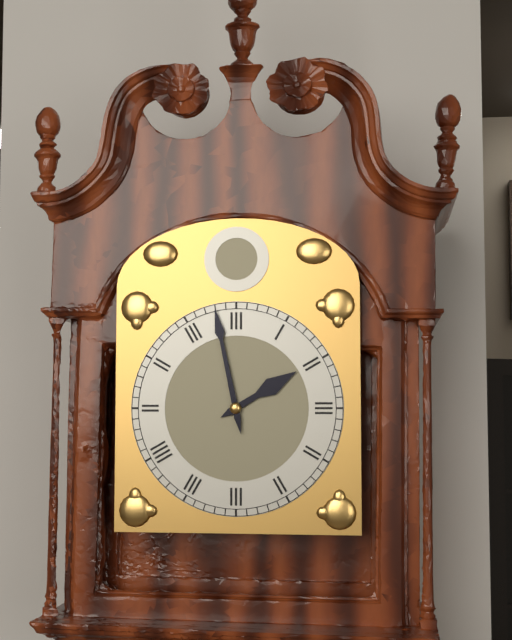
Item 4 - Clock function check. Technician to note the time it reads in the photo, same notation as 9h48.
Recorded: 1h58
